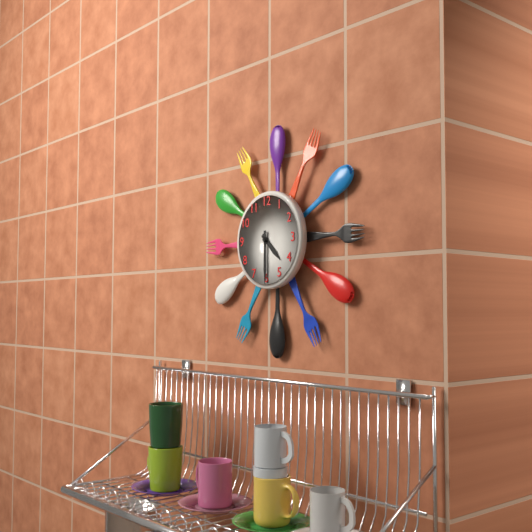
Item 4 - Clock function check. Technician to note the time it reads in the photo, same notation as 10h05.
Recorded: 4h30
